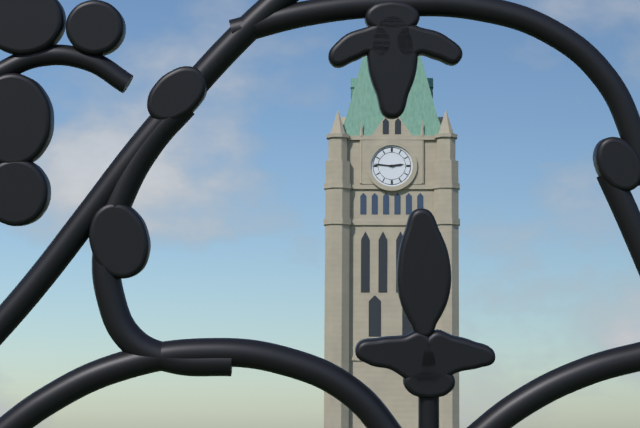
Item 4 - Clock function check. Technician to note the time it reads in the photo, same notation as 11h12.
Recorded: 2h46
